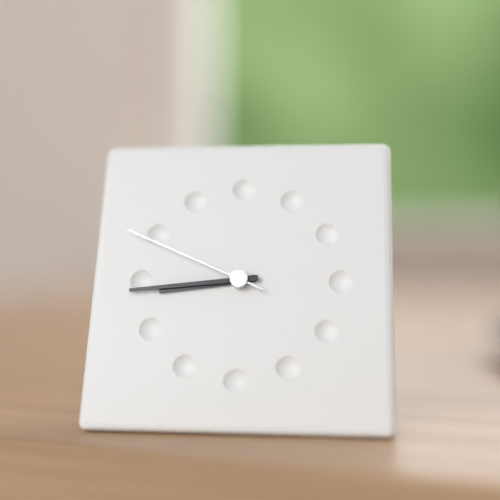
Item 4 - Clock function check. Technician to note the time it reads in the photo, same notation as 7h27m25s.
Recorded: 8h44m49s
